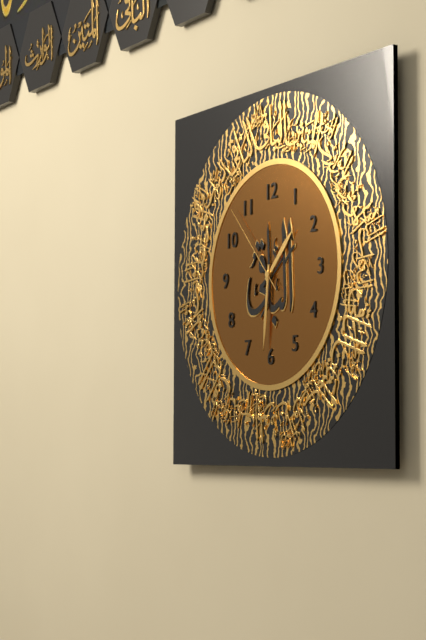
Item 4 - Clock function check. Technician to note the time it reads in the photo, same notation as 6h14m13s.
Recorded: 1h31m53s
